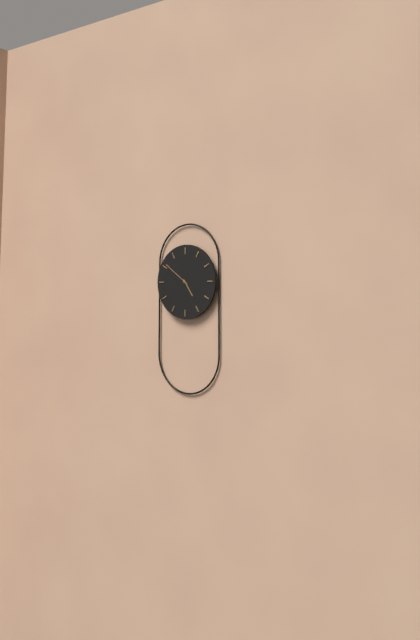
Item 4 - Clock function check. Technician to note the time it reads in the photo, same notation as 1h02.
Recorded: 4h51
